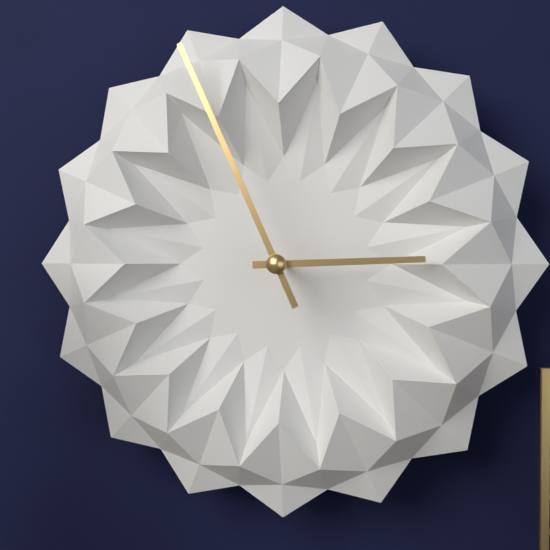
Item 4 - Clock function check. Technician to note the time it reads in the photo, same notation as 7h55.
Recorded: 2h56
